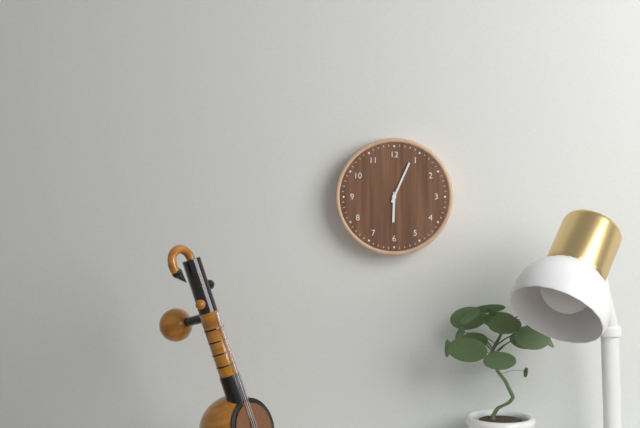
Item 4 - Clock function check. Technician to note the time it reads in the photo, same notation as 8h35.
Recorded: 6h04
